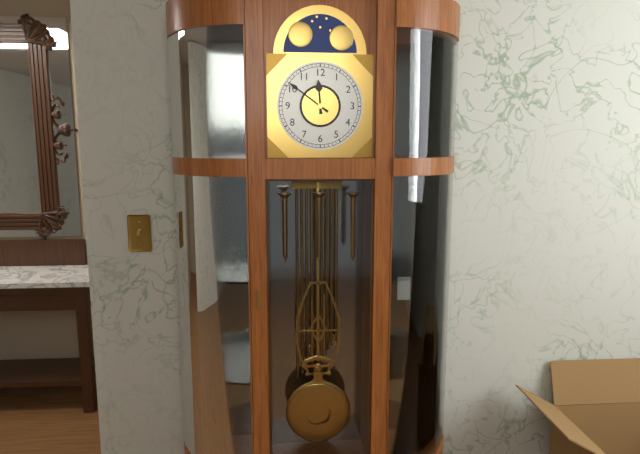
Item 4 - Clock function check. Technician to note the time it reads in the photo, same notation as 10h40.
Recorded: 11h51
